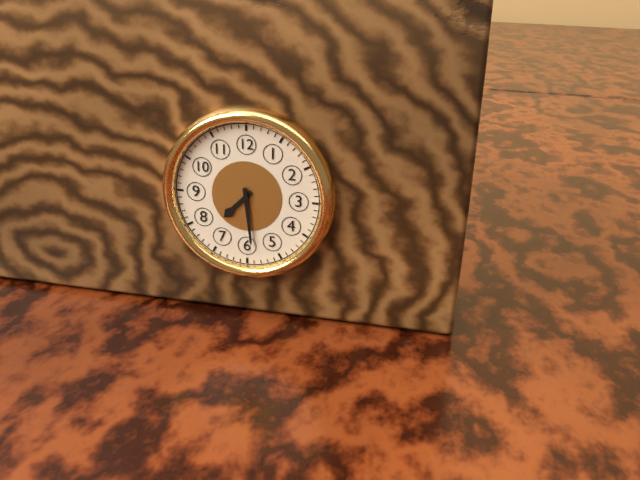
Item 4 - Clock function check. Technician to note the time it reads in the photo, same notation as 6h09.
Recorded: 7h29
